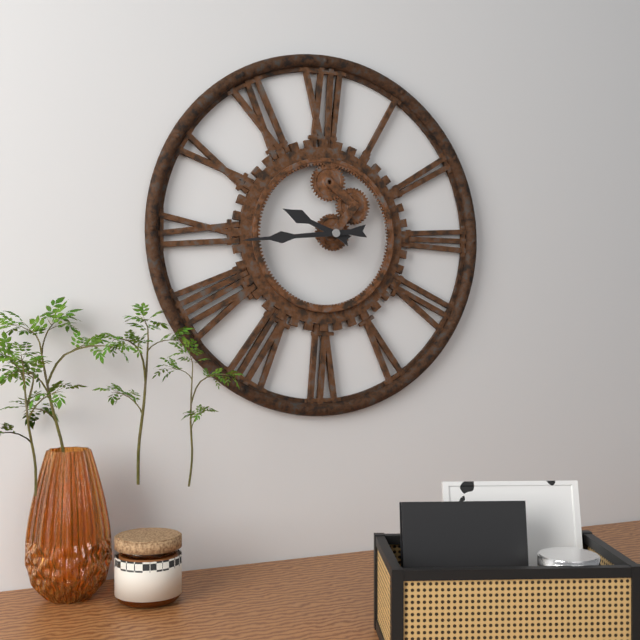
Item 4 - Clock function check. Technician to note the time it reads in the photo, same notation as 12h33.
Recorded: 9h44
